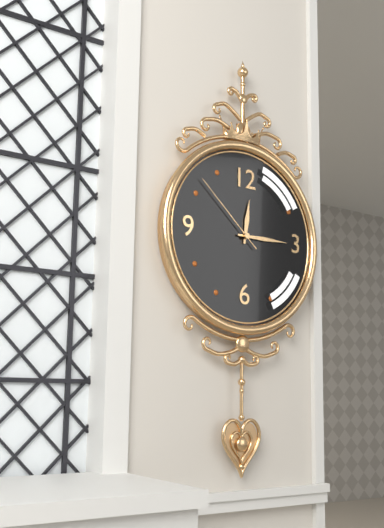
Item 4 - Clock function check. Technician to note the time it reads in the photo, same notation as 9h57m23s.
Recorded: 12h15m52s
